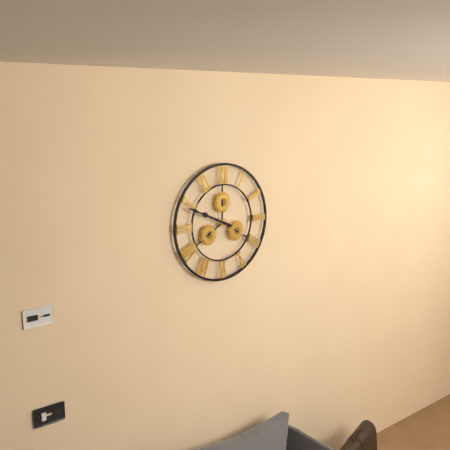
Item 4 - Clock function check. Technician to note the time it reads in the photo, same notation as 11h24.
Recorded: 9h49
